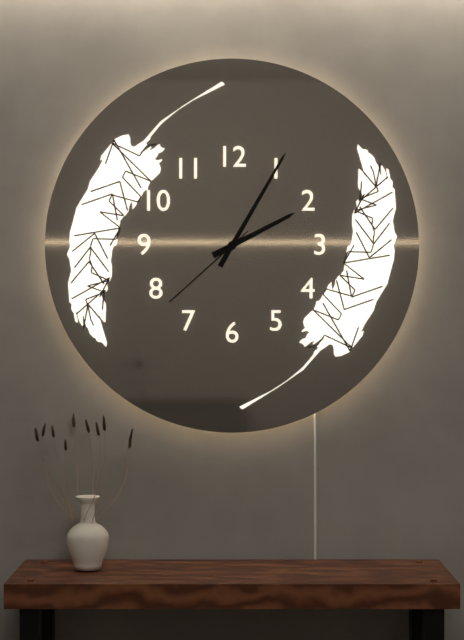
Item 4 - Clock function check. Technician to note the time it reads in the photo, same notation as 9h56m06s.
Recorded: 2h05m38s
